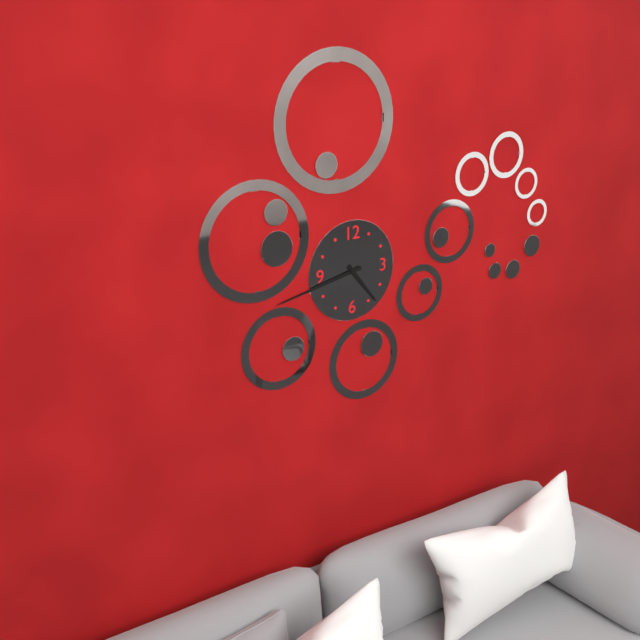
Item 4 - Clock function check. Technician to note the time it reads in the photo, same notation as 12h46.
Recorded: 4h43
